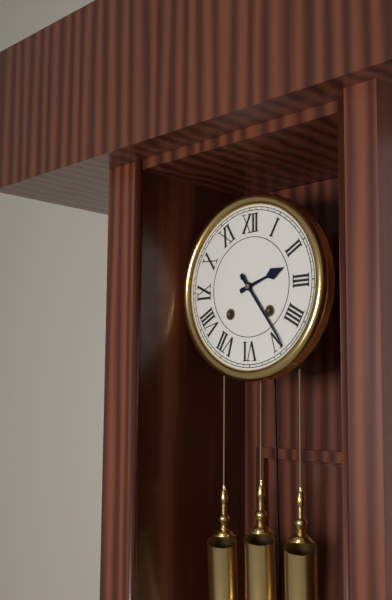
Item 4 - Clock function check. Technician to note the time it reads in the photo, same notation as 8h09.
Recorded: 2h24
